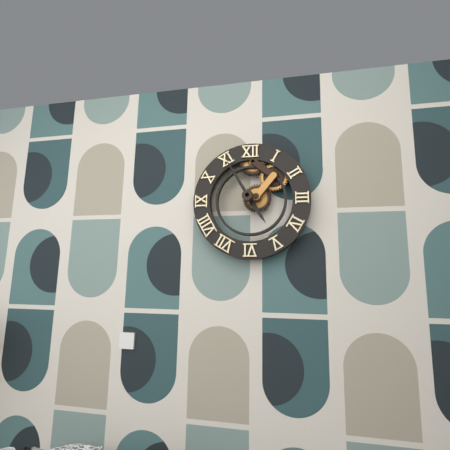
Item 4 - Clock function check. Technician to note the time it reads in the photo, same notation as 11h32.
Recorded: 4h55
